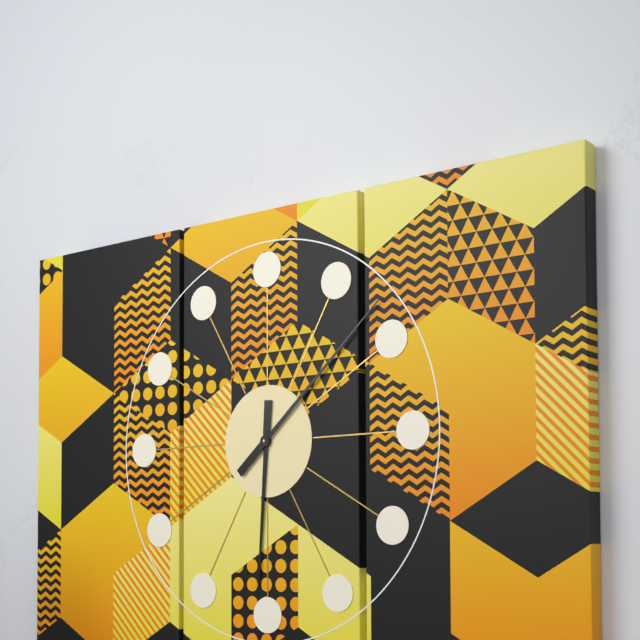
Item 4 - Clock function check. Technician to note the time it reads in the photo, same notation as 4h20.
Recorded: 6h08
